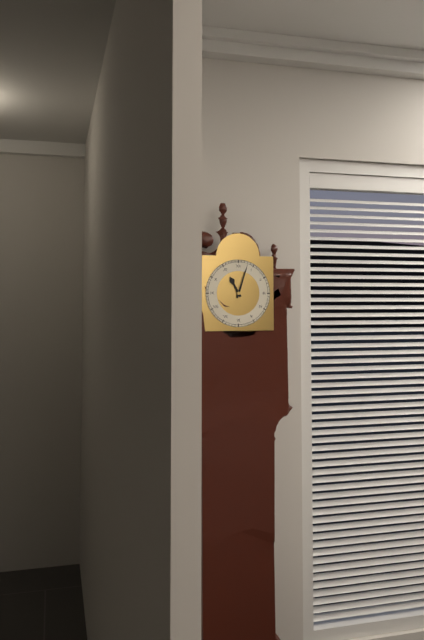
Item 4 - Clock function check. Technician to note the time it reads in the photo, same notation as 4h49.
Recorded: 11h03
